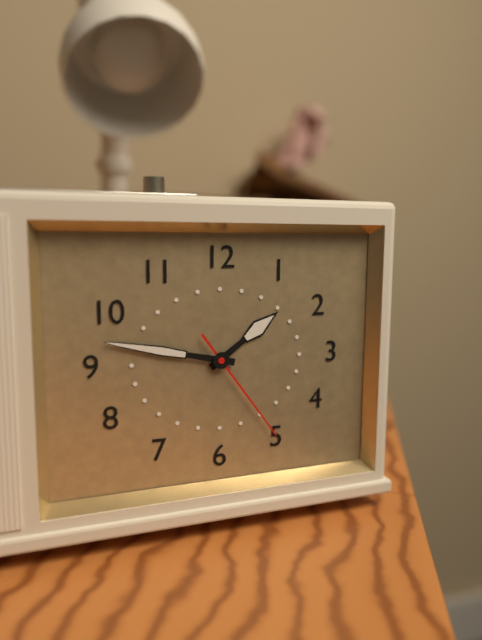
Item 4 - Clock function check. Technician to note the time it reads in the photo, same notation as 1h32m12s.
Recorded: 1h47m24s
